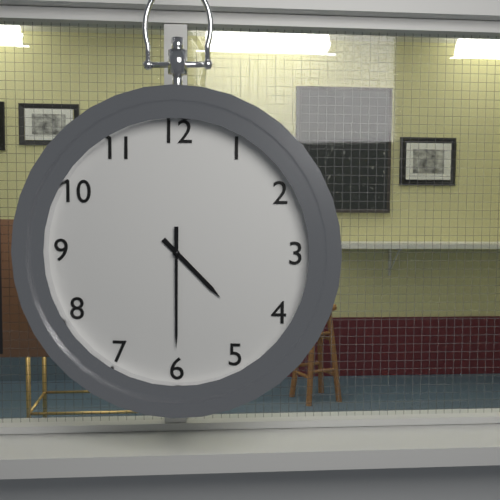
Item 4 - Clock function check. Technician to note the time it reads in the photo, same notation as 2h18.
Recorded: 4h30
